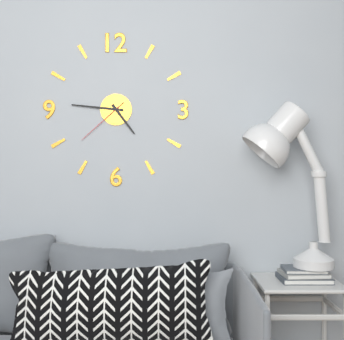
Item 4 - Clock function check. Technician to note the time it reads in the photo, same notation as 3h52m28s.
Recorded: 4h46m38s
